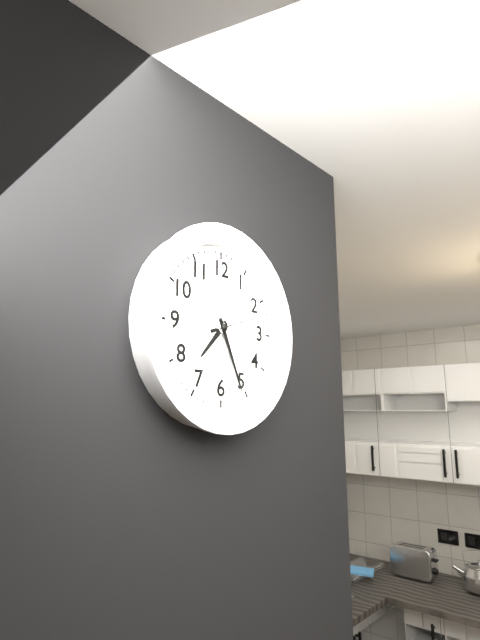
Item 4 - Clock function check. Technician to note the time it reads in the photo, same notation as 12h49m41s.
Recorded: 7h26m12s
